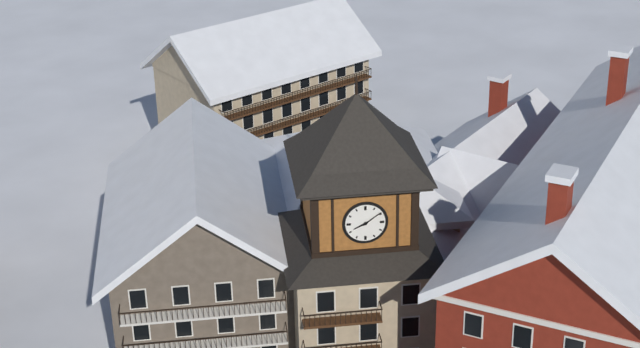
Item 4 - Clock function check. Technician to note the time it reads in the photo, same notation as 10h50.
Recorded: 8h09
